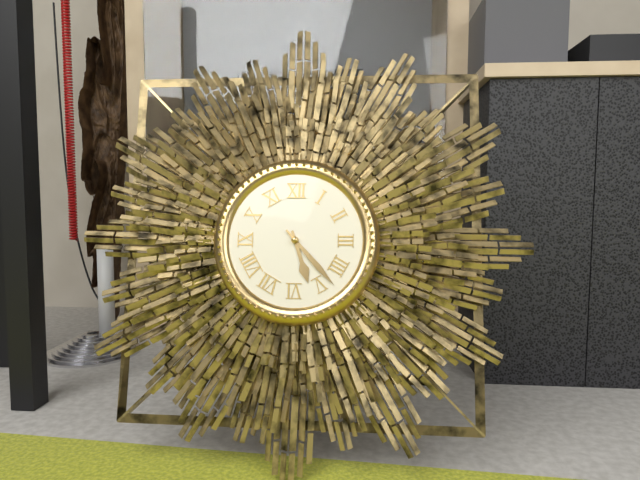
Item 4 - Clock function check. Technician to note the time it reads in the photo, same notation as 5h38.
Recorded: 5h23
